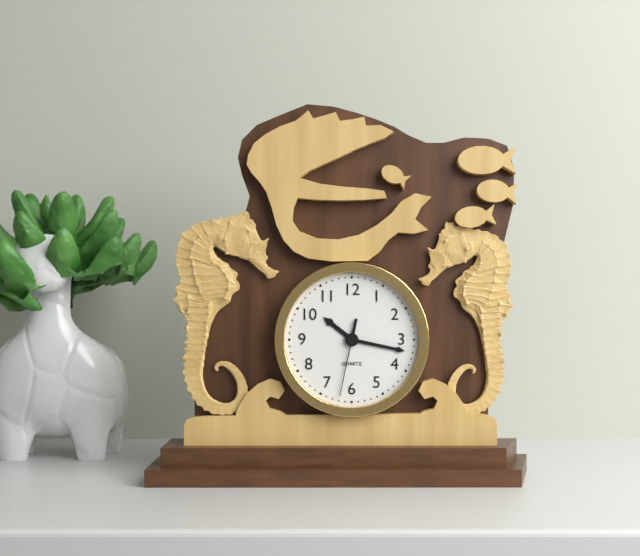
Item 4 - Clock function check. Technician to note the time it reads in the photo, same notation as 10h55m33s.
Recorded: 10h17m32s
